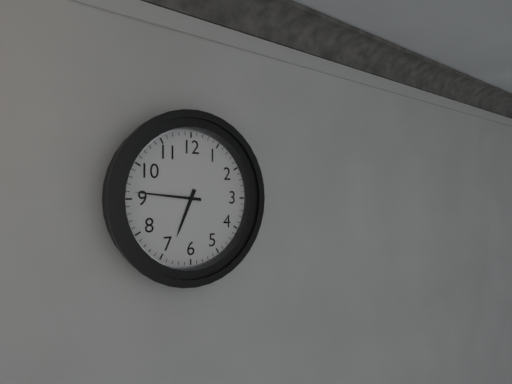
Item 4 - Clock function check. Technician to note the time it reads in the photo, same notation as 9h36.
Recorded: 6h46
